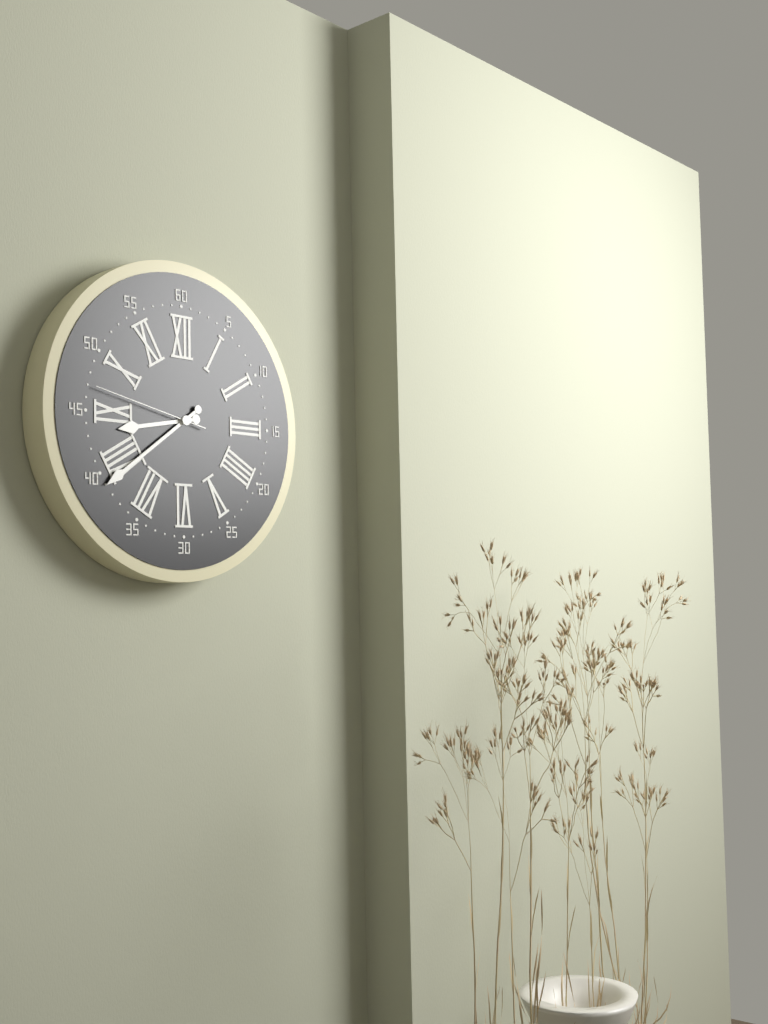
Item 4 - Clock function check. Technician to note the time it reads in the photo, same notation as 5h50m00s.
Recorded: 8h39m47s
